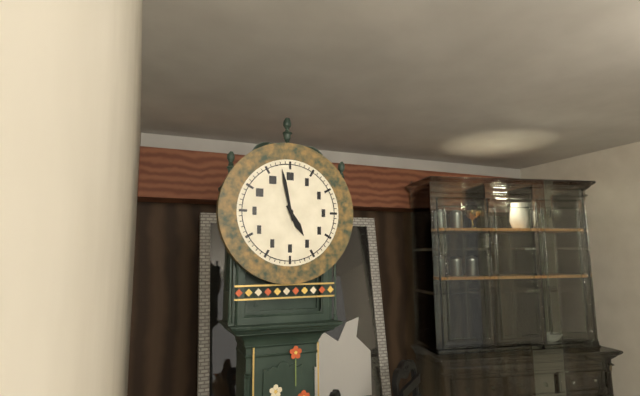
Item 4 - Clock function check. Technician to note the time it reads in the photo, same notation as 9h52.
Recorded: 4h58
